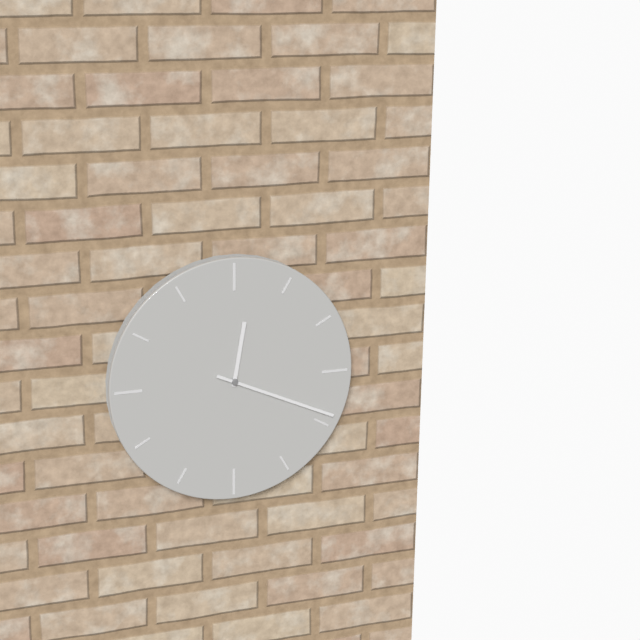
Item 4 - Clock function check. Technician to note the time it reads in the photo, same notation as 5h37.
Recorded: 12h19
